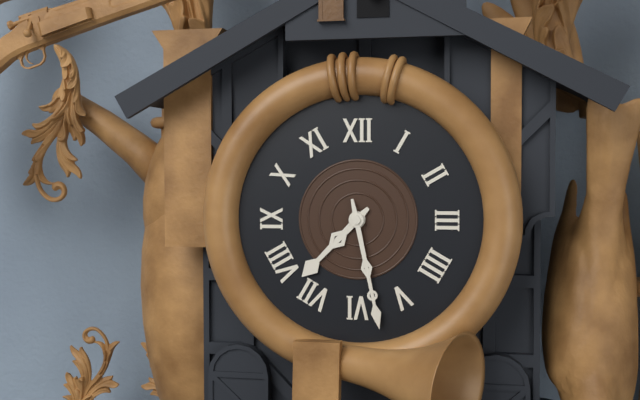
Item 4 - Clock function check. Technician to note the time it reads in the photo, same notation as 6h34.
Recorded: 7h28
